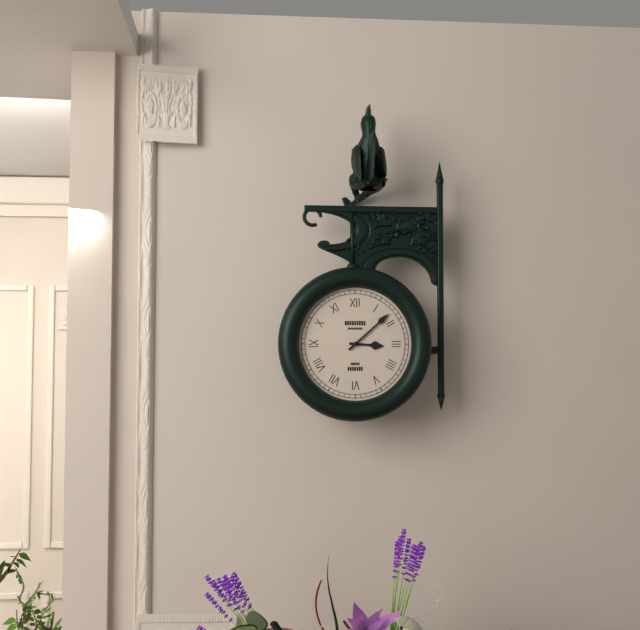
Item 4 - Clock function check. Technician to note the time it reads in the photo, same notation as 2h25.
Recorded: 3h08
